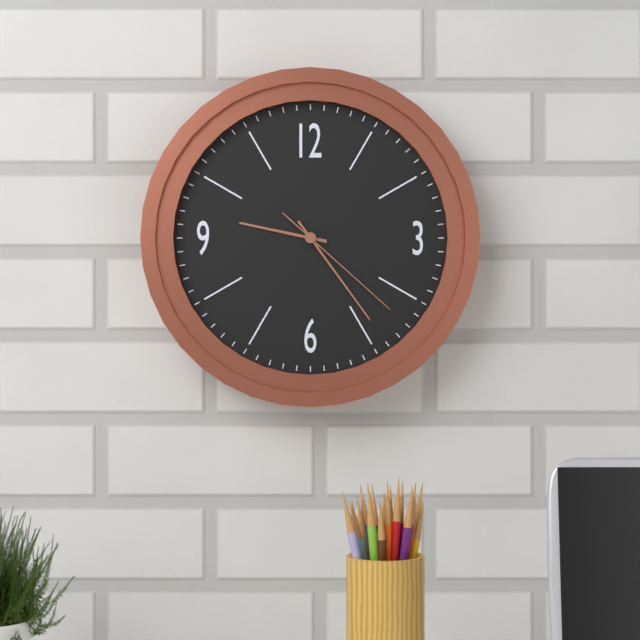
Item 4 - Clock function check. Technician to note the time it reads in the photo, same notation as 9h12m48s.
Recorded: 9h24m22s
